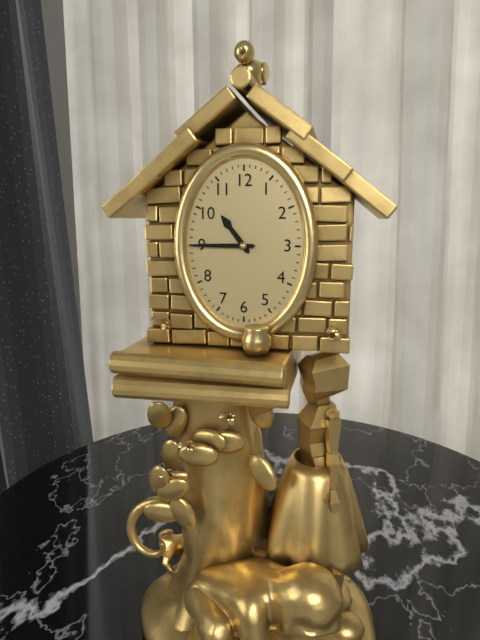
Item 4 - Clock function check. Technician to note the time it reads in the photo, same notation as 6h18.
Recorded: 10h45
